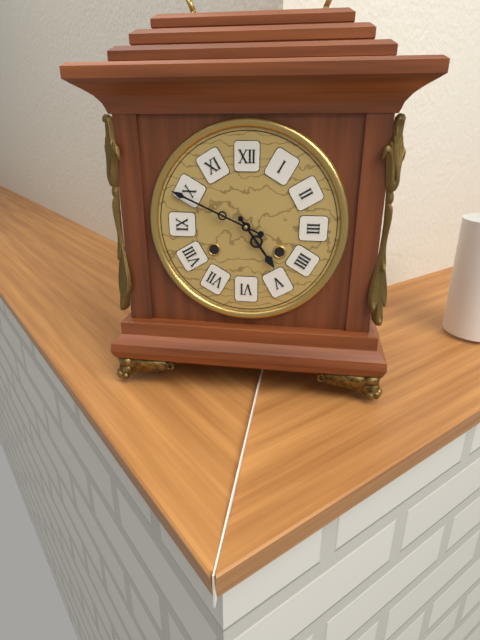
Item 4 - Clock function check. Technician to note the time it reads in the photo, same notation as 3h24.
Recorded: 4h49
